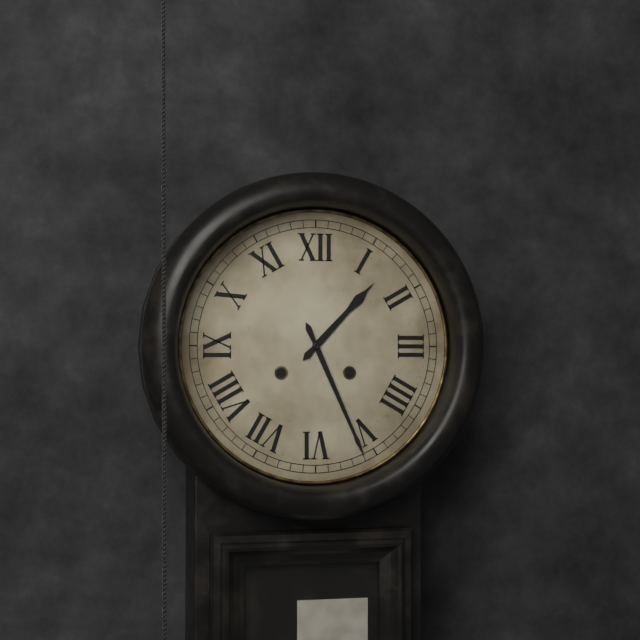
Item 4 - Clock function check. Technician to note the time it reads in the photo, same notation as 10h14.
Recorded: 1h26
